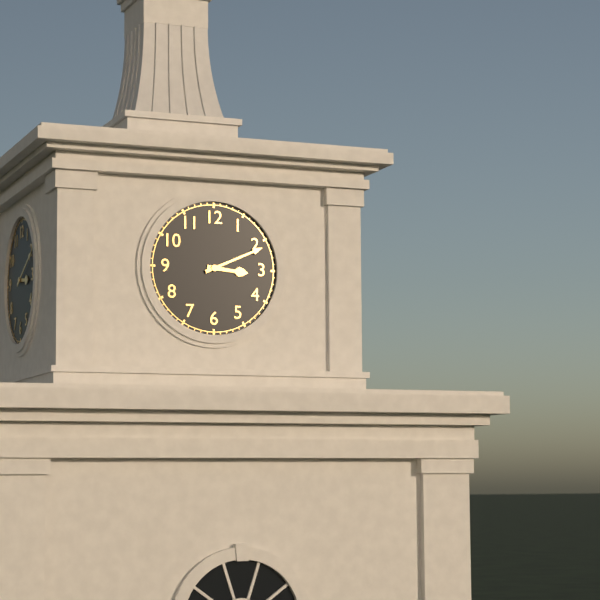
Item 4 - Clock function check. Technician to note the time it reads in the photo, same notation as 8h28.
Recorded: 3h11
